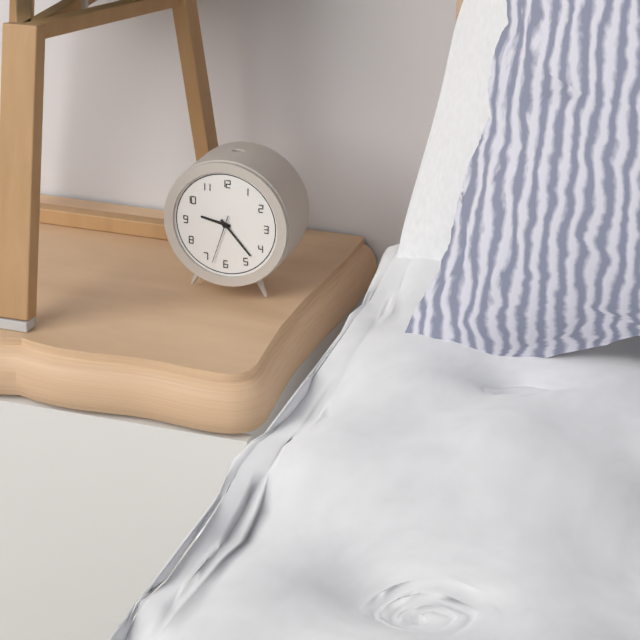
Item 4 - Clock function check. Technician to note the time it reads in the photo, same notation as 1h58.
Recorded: 9h23
